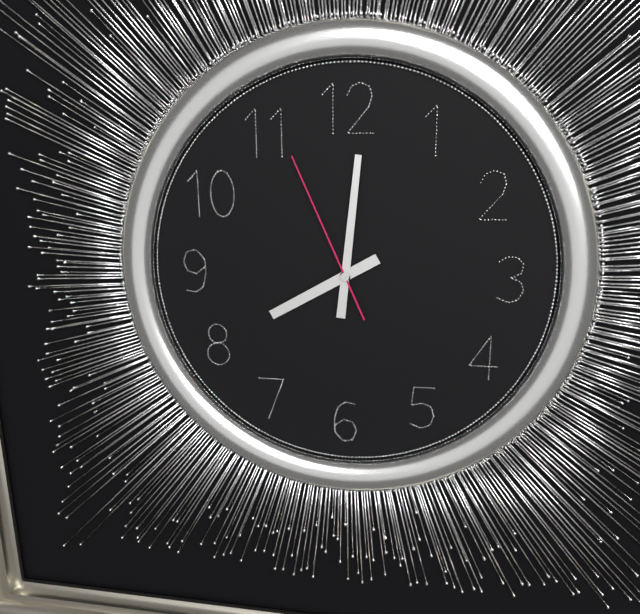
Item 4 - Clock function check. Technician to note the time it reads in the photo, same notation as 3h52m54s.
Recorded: 8h01m56s
